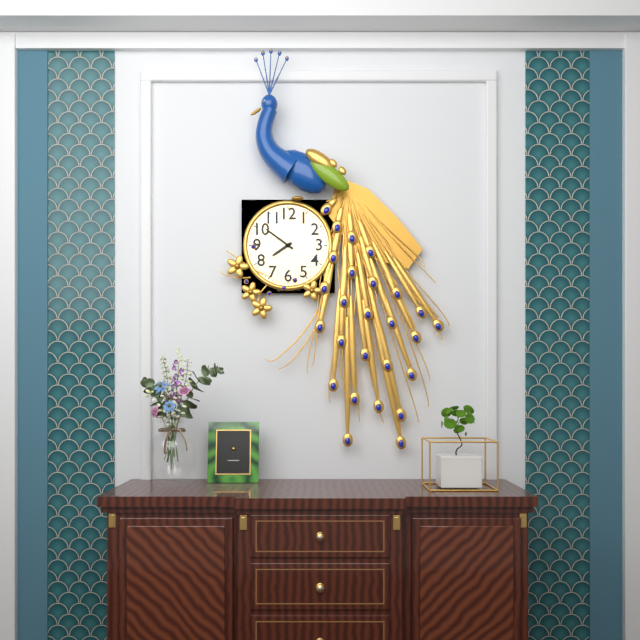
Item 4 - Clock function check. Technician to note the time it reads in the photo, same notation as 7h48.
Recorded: 7h51
